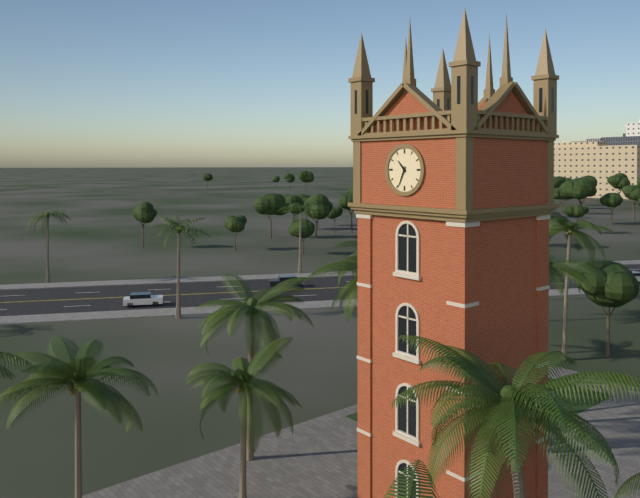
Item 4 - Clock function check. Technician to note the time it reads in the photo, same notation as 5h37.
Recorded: 10h34
